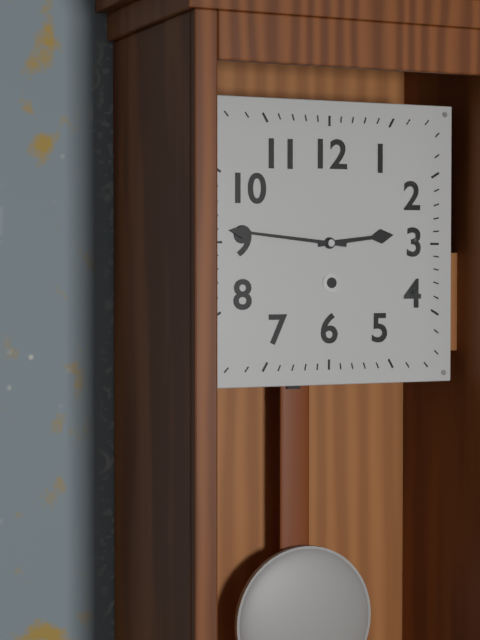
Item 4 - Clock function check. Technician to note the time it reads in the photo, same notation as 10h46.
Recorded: 2h46
